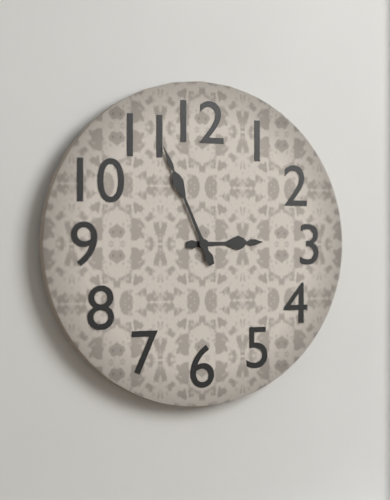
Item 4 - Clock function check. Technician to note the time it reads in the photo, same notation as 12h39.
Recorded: 2h56
